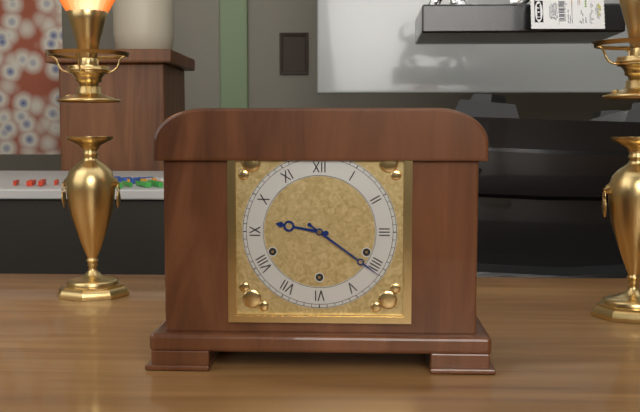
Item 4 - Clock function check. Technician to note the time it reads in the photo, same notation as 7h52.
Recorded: 9h21
